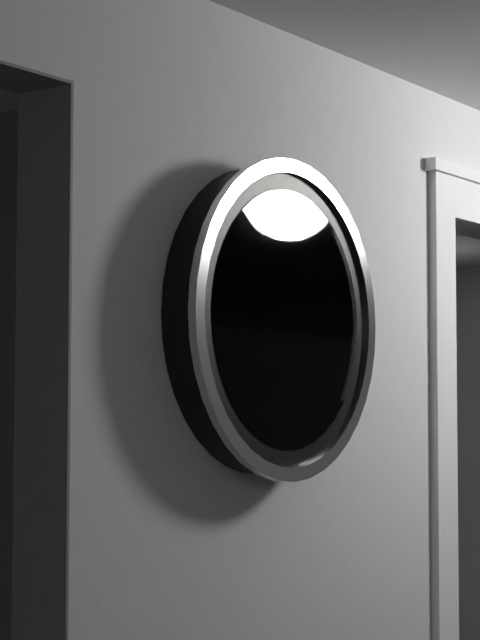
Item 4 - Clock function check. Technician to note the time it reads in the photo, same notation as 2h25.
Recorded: 6h00
